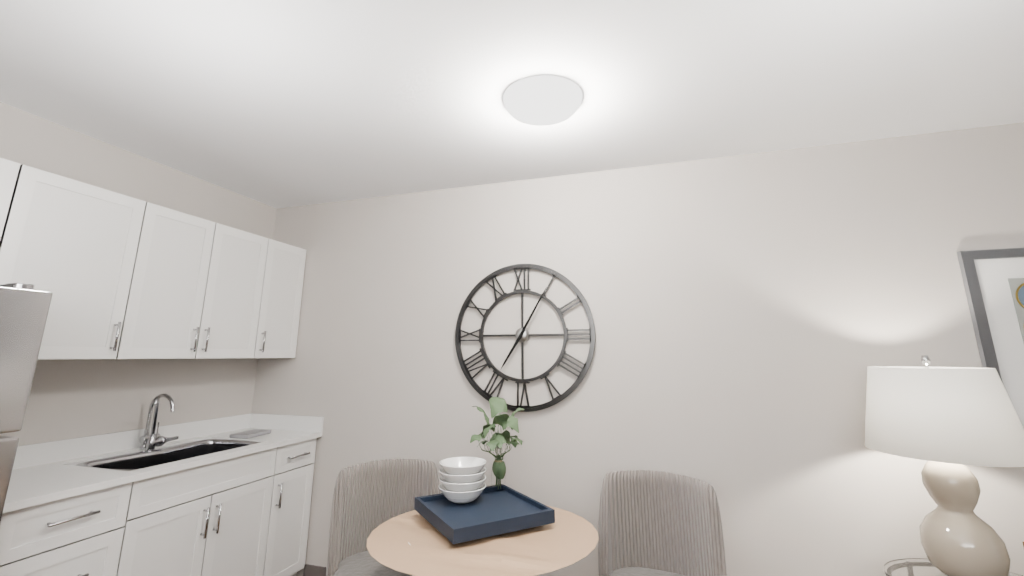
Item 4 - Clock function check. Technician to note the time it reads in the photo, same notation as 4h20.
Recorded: 7h05
